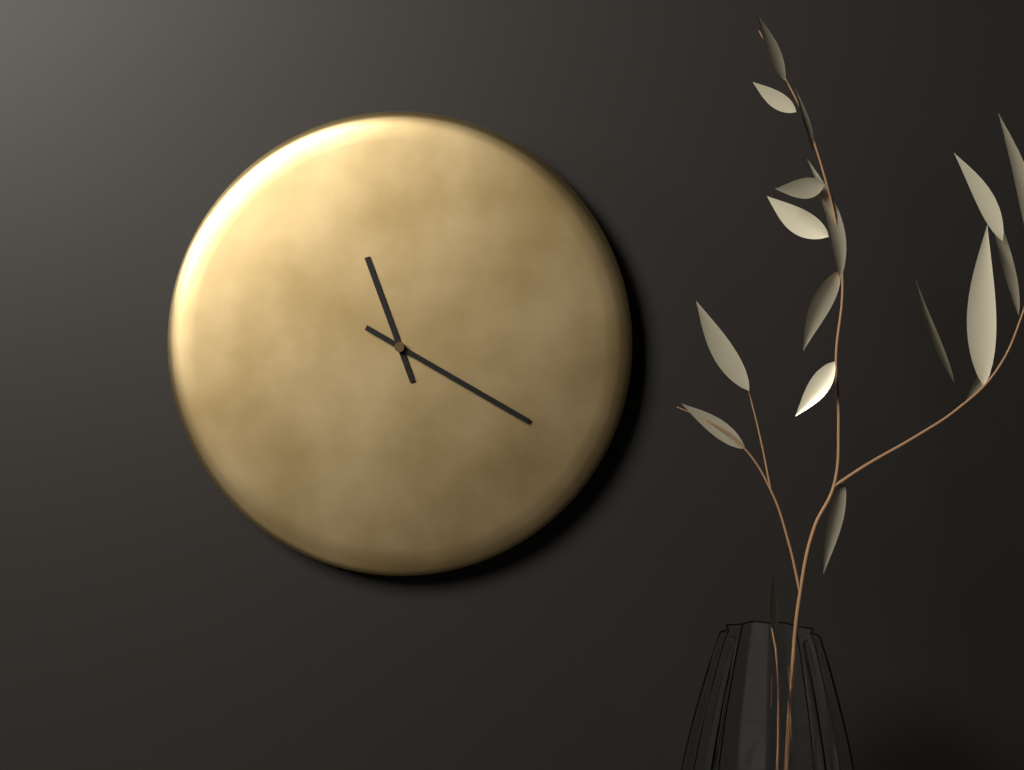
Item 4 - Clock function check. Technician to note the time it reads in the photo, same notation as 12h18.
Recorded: 11h20
